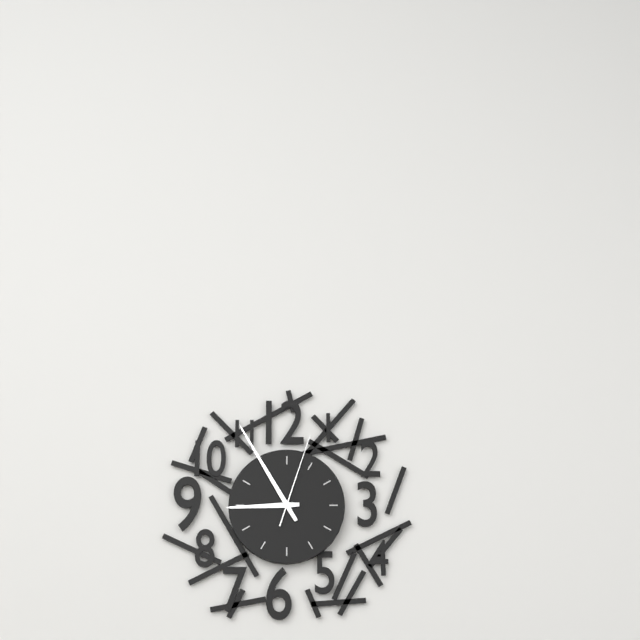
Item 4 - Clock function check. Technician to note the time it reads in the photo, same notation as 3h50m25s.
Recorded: 8h55m03s
